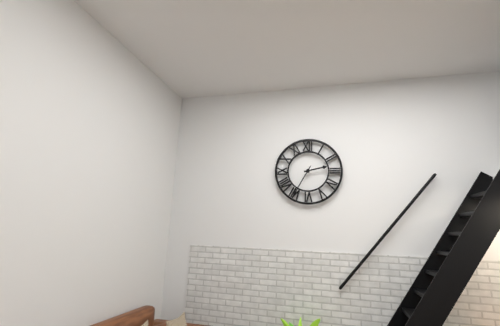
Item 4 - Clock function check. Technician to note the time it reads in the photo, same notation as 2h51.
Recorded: 2h35
